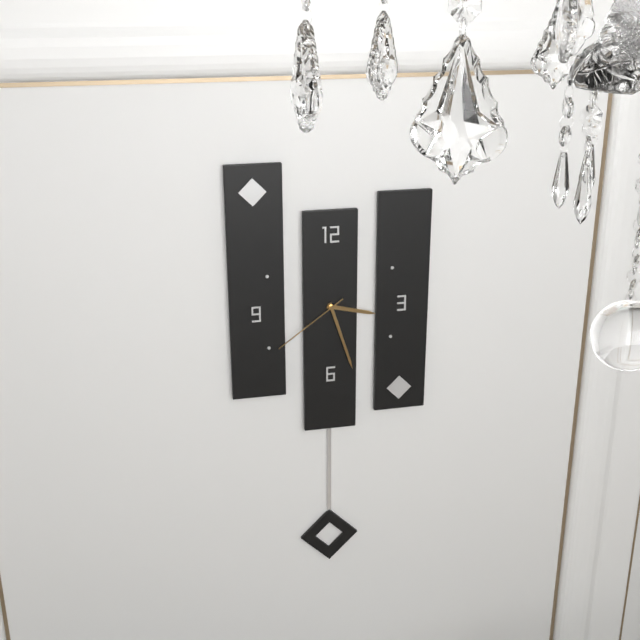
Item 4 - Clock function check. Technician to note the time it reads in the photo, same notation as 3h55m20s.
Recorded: 3h27m39s
